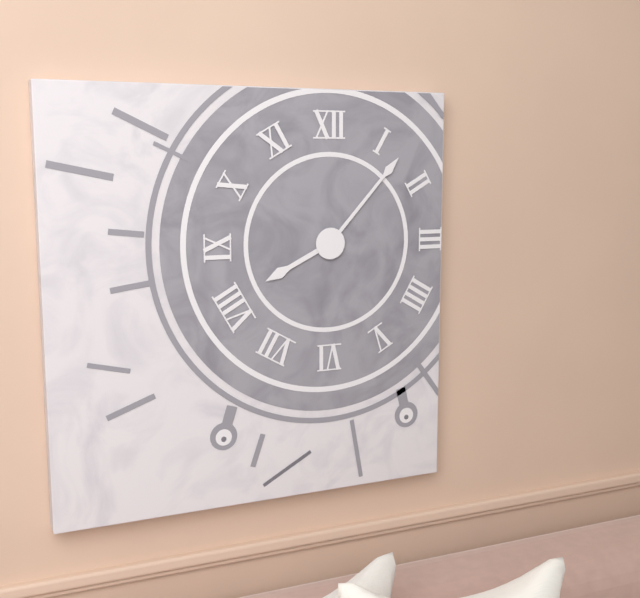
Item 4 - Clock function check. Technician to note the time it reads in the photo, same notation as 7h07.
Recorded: 8h07
